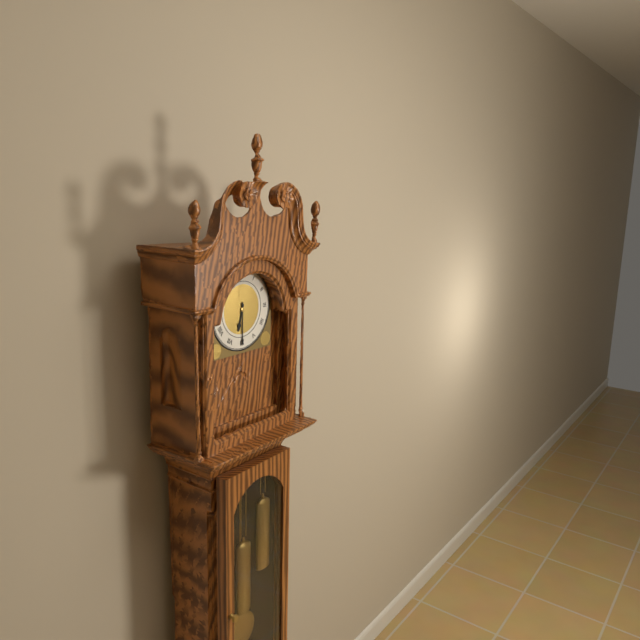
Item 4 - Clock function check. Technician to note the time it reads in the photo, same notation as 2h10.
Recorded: 6h30
